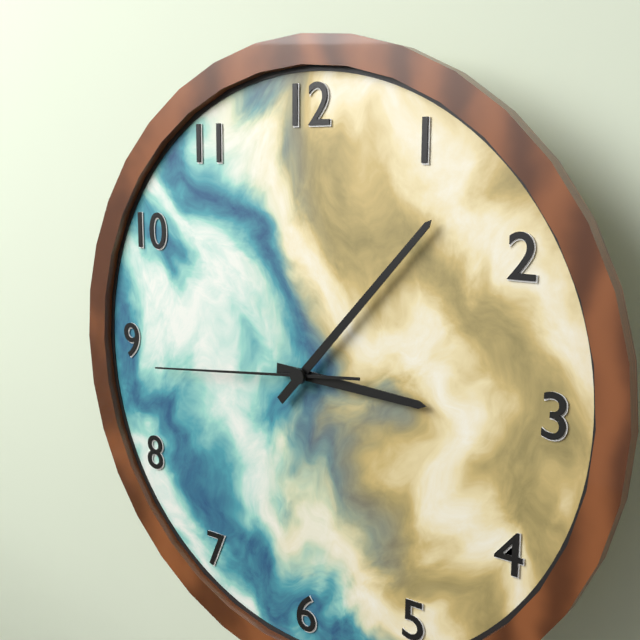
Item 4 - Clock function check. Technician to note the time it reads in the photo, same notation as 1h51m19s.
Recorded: 3h07m44s
